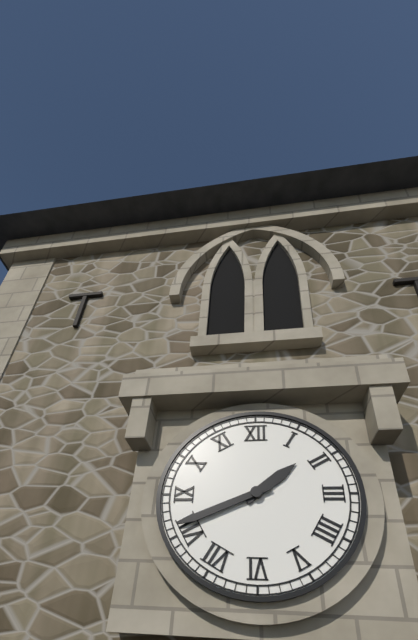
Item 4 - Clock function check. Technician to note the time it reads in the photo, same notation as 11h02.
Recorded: 1h41
